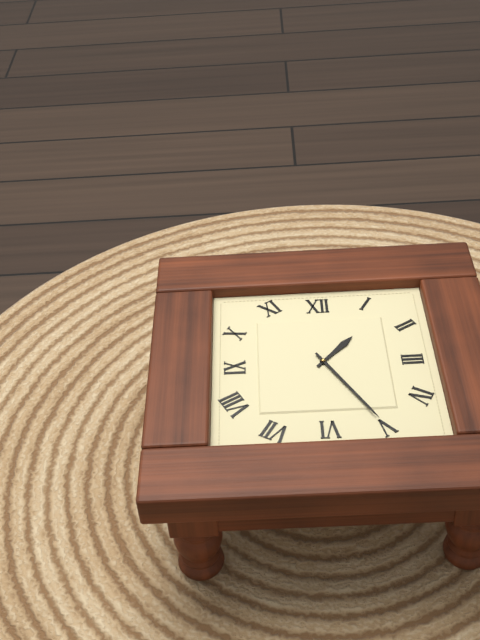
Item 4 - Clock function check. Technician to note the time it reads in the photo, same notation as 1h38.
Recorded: 1h25
